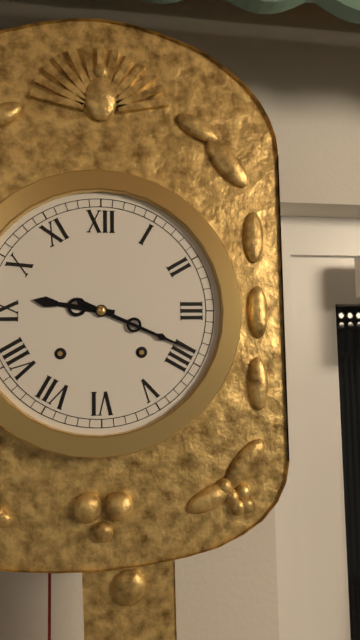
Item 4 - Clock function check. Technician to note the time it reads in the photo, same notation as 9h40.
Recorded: 9h19
